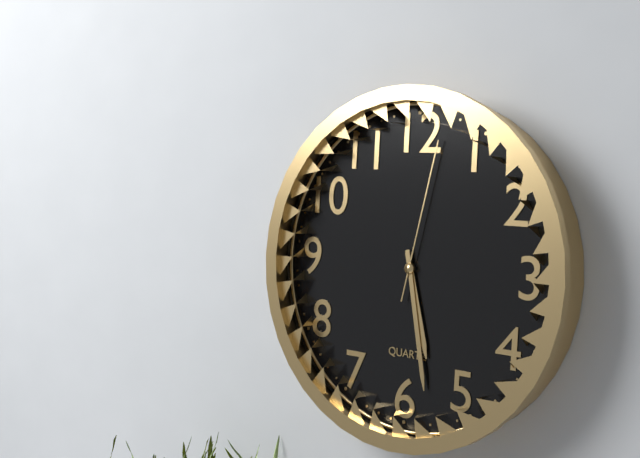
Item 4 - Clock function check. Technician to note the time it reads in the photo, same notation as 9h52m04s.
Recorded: 5h28m02s
